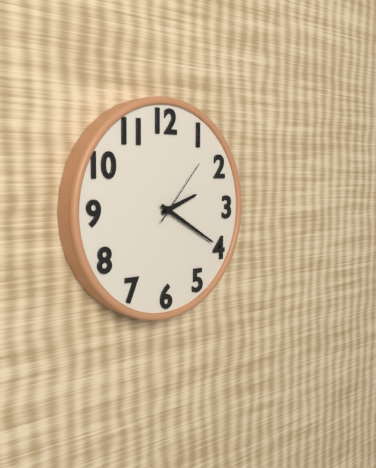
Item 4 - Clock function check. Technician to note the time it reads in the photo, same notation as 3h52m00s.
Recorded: 2h20m07s
